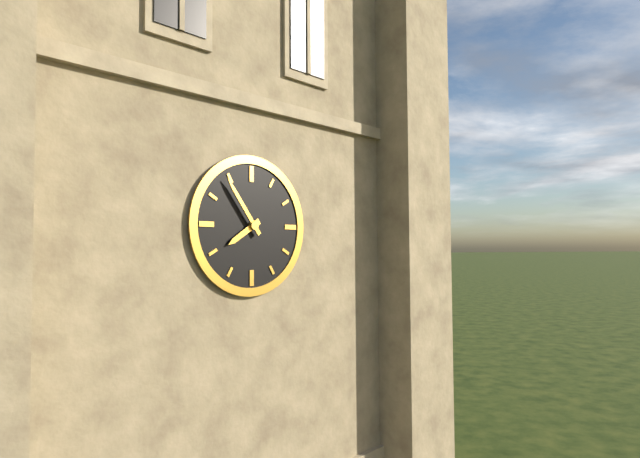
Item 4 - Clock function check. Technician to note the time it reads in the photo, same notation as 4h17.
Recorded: 7h54
